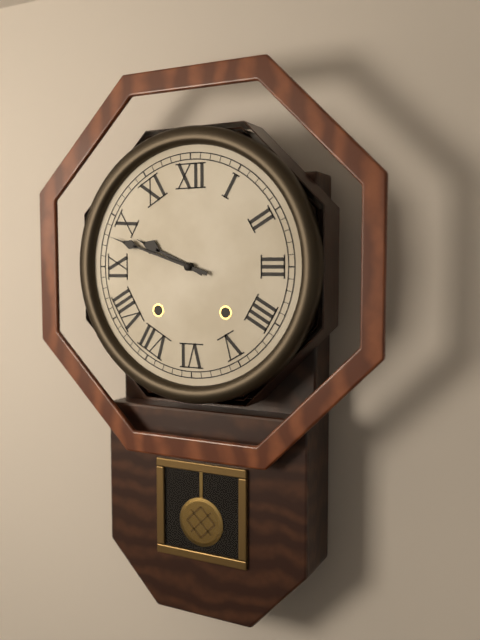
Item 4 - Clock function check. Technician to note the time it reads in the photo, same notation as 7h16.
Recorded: 9h48
